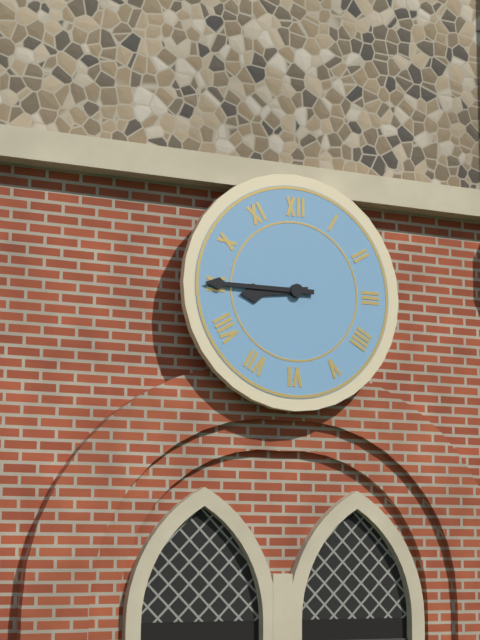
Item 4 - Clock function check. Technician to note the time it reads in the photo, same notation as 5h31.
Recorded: 8h45
